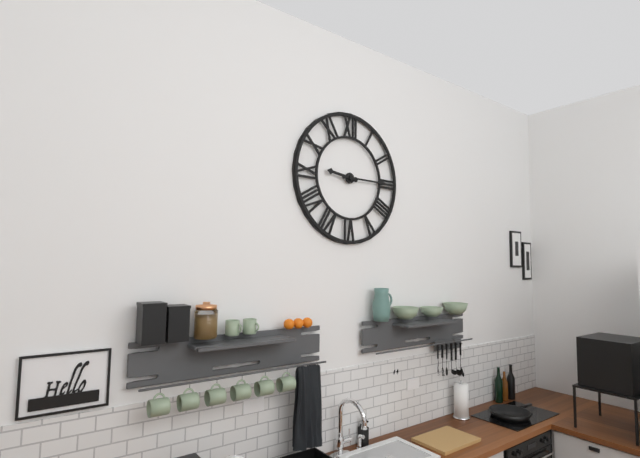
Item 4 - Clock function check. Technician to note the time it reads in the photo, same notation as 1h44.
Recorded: 9h15
